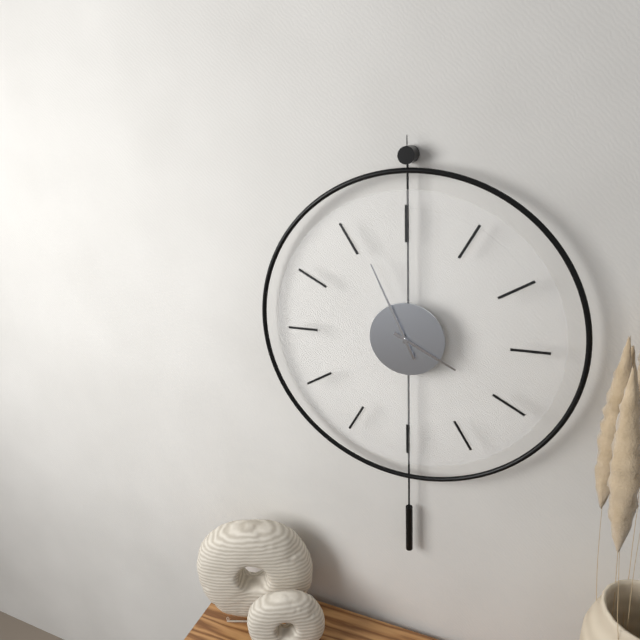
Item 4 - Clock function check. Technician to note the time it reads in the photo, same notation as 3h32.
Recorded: 3h56
